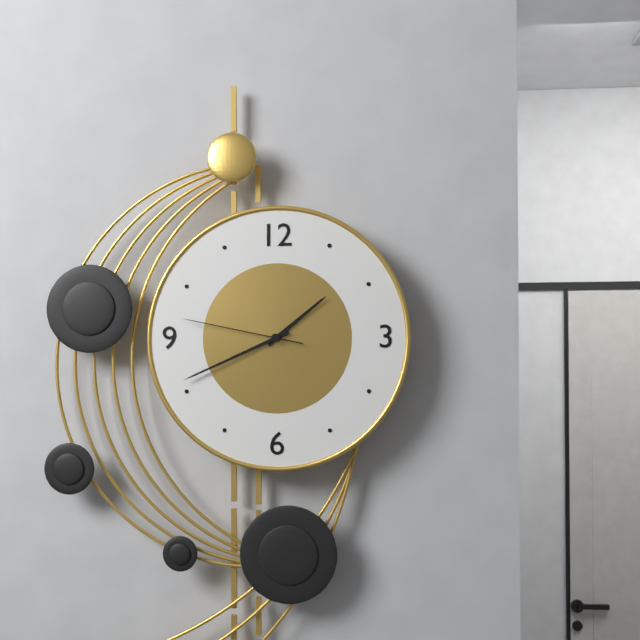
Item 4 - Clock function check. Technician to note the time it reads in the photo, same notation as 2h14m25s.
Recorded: 1h41m47s
